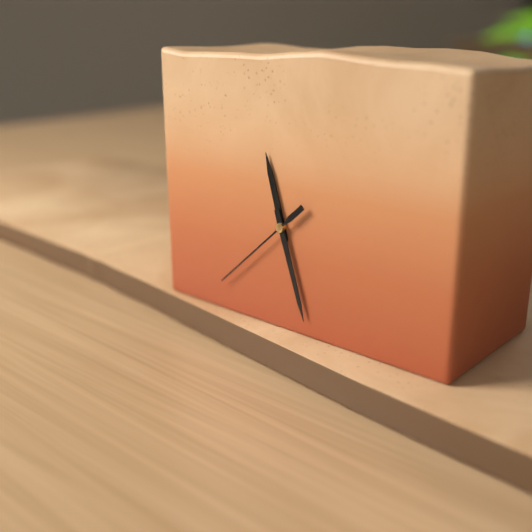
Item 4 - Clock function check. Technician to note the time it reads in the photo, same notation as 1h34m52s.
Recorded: 11h27m38s
